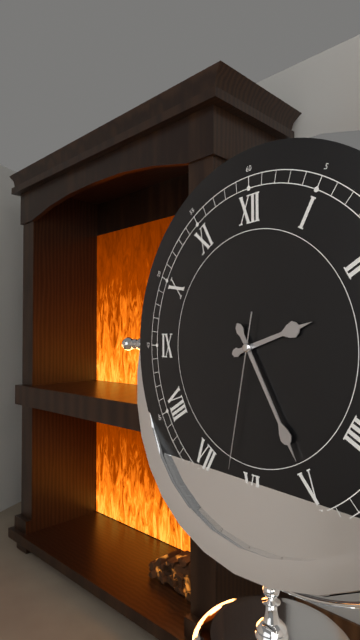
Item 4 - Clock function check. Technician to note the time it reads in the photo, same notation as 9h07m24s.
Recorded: 2h25m32s
